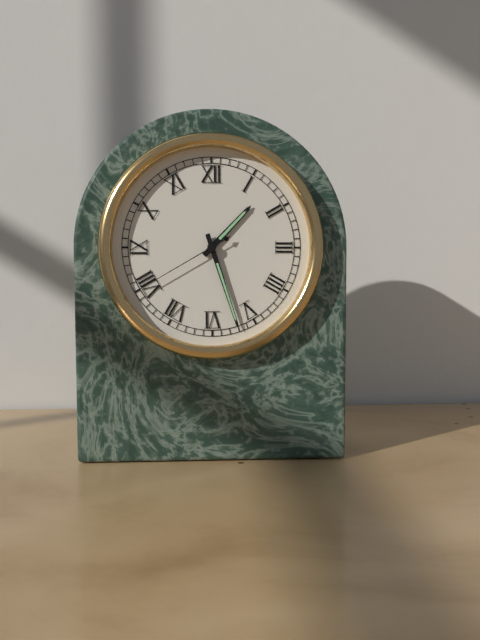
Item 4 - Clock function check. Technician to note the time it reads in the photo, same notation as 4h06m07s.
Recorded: 1h27m40s
